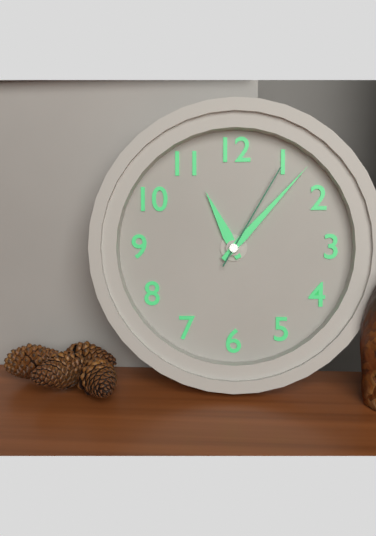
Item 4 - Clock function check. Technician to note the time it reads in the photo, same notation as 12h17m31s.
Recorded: 11h07m05s
